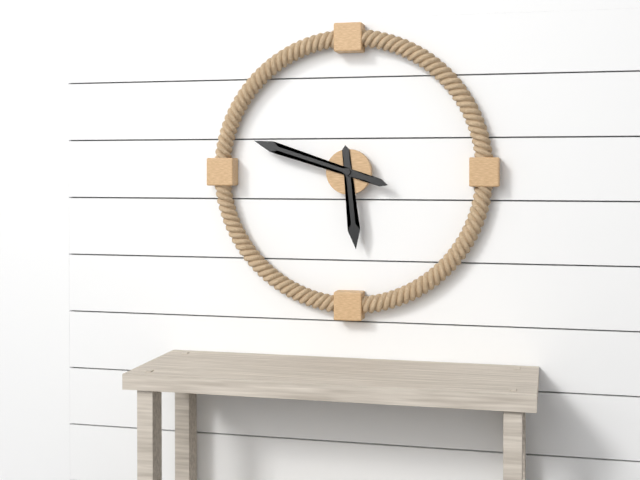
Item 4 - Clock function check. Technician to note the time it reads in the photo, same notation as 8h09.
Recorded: 5h48
